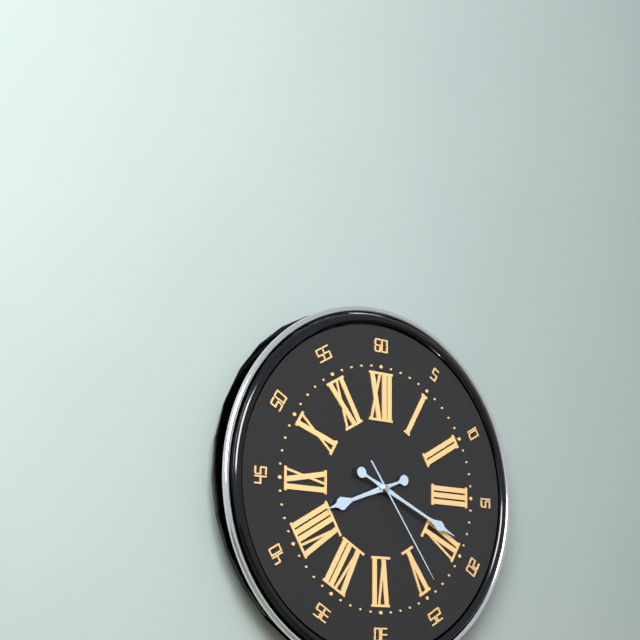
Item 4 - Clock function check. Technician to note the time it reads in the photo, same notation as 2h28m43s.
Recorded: 8h19m24s
